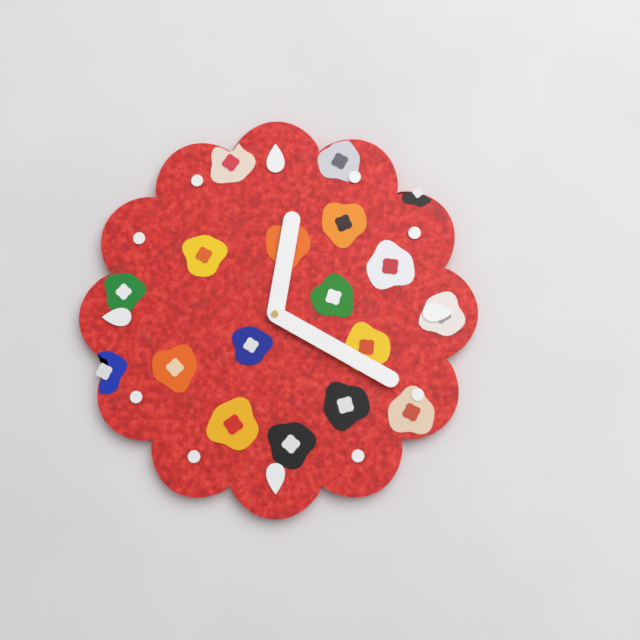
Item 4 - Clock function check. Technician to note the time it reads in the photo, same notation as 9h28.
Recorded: 12h20
